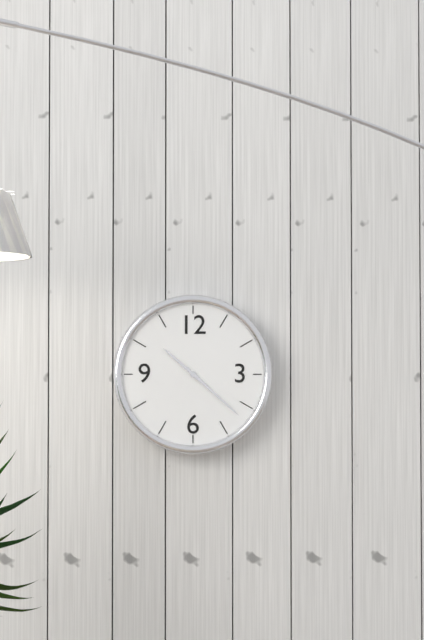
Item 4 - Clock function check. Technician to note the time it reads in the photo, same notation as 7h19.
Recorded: 10h22
